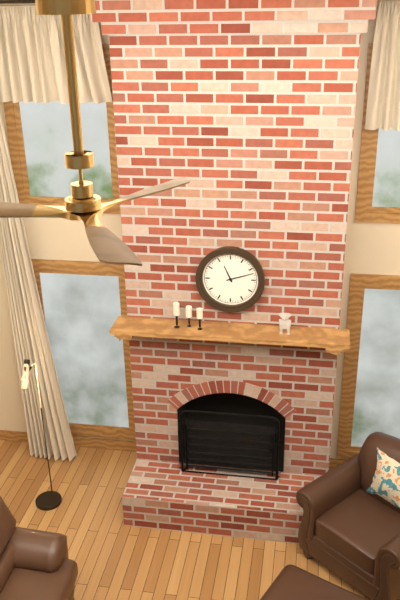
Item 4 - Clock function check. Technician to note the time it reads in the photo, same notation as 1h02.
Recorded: 11h12
